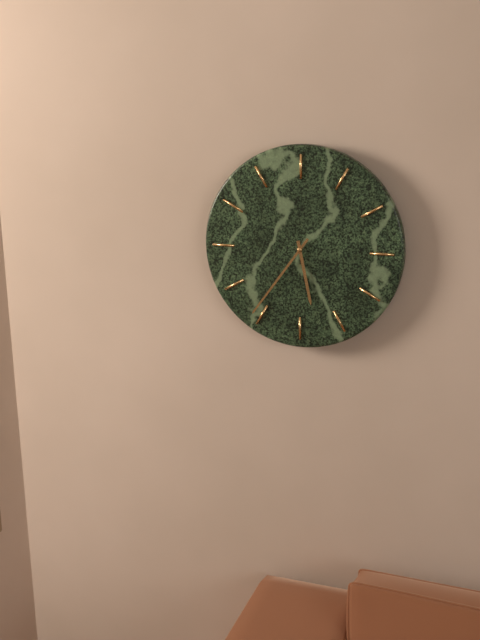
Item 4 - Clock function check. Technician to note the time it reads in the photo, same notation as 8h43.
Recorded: 5h36
